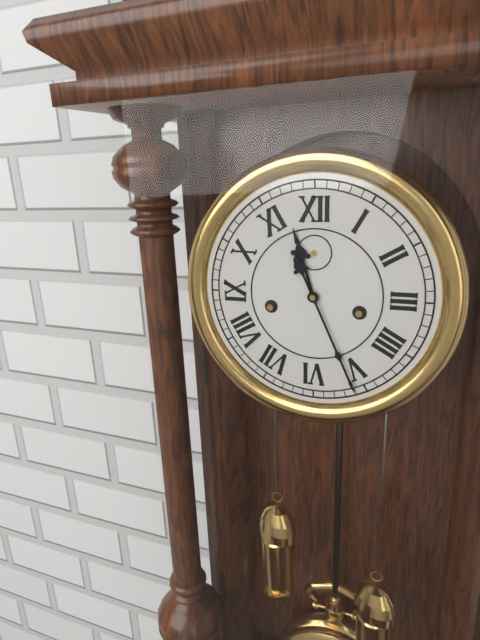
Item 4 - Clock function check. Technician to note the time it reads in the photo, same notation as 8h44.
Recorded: 11h26
